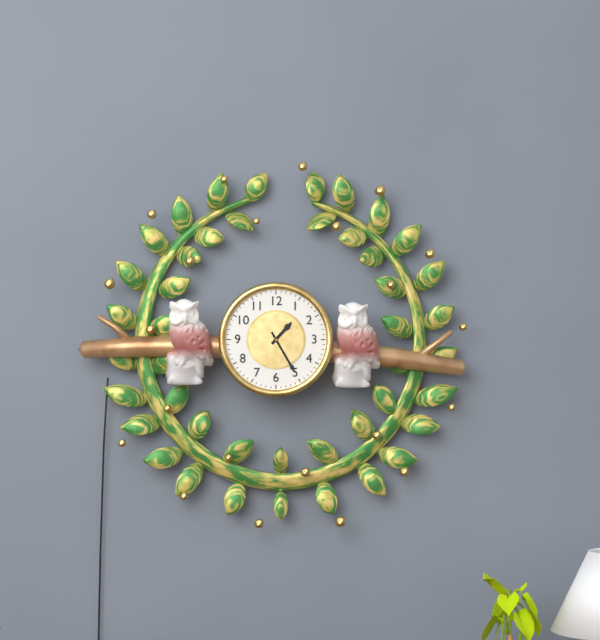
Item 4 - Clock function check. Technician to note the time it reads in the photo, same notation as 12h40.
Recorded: 1h25
